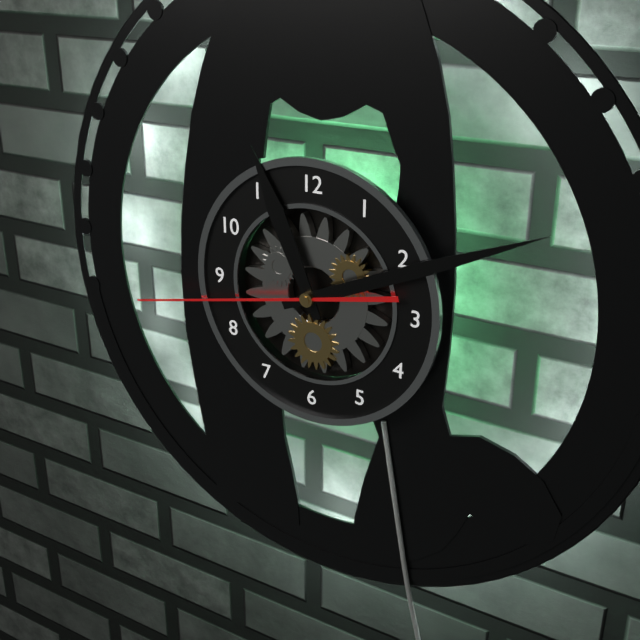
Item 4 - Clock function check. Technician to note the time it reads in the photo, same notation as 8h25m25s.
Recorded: 11h11m43s
